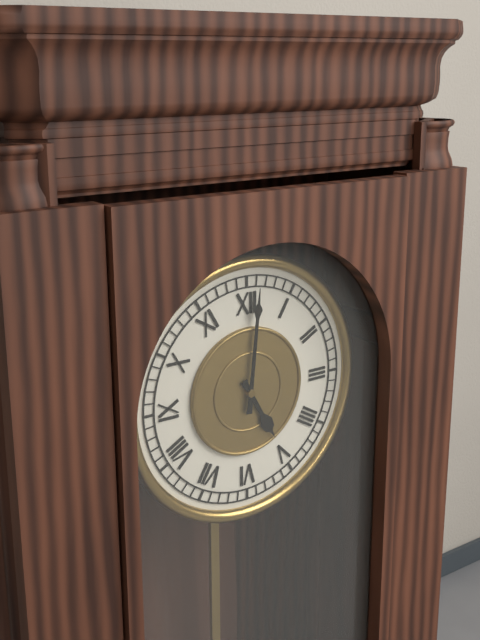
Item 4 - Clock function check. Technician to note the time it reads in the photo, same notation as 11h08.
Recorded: 5h01
